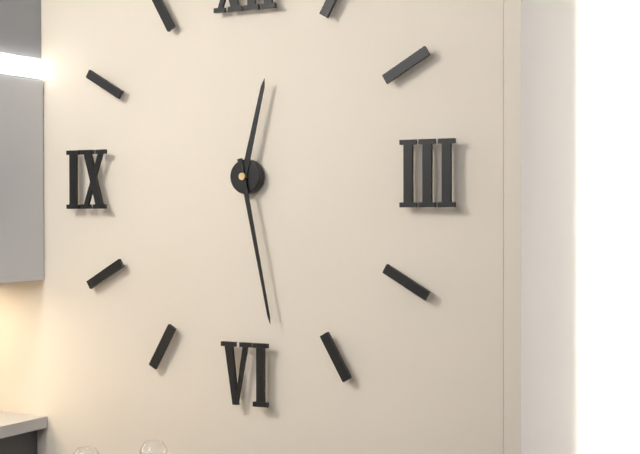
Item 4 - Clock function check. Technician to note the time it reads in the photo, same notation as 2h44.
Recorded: 12h28
